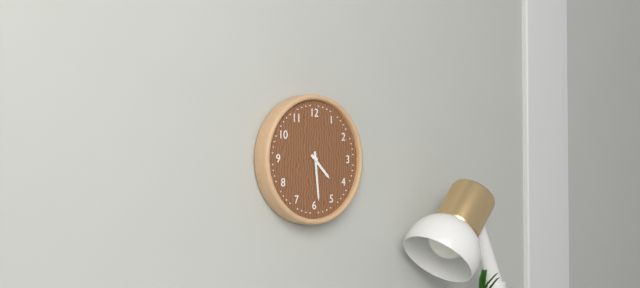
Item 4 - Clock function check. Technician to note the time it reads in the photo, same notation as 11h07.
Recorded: 4h29
